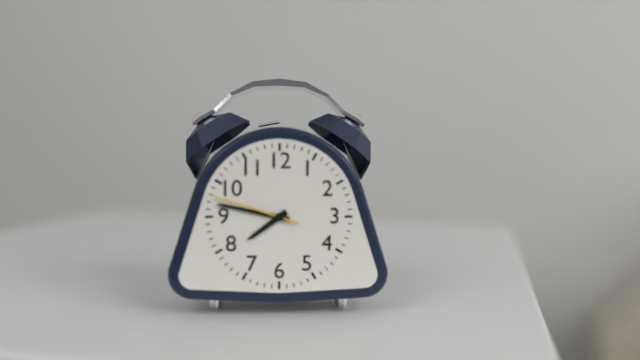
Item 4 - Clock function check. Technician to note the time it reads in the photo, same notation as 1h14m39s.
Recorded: 7h47m48s
